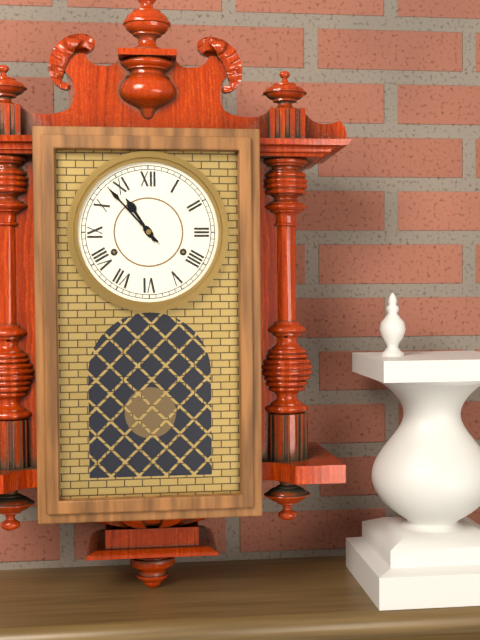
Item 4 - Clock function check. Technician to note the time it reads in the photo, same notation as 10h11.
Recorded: 10h53
